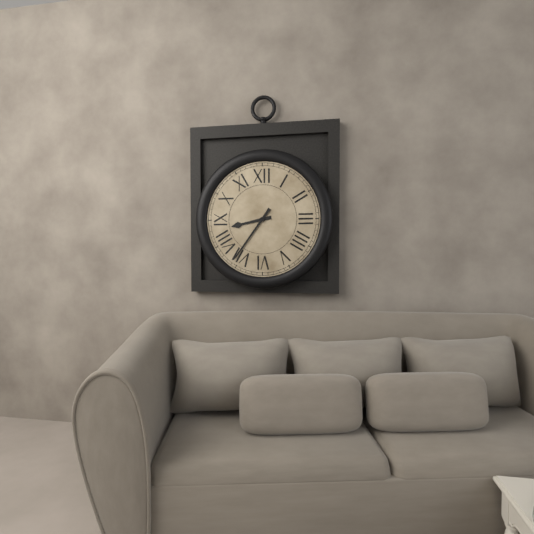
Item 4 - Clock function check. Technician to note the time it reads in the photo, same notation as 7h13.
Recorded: 8h36
